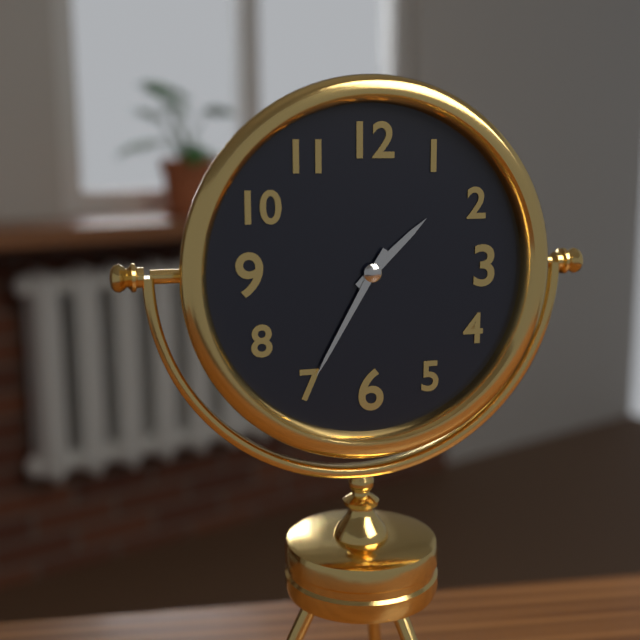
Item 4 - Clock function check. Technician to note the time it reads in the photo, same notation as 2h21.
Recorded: 1h35
